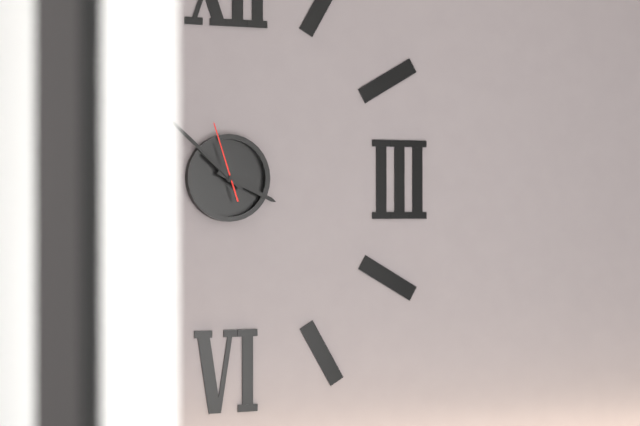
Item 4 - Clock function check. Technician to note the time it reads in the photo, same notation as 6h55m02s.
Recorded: 3h52m57s
